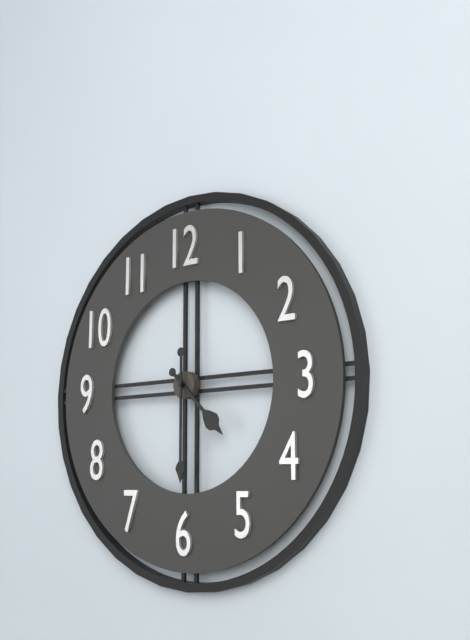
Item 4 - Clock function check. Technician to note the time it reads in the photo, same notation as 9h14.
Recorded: 4h30
